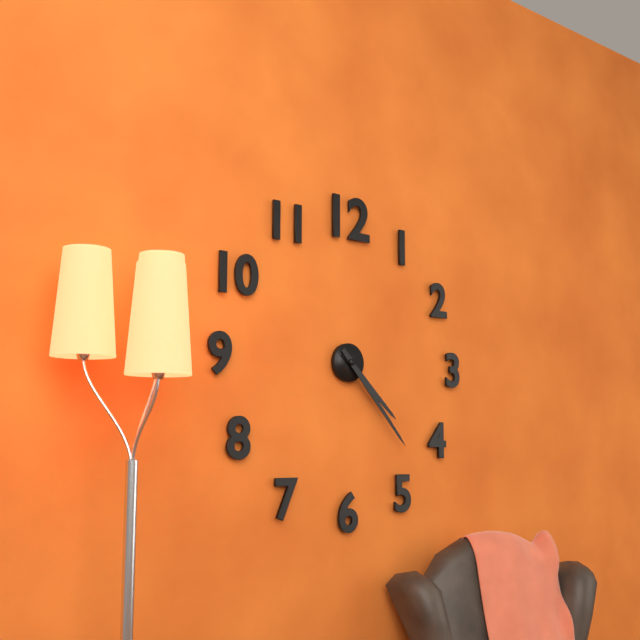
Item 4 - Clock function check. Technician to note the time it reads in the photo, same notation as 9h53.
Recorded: 4h23
